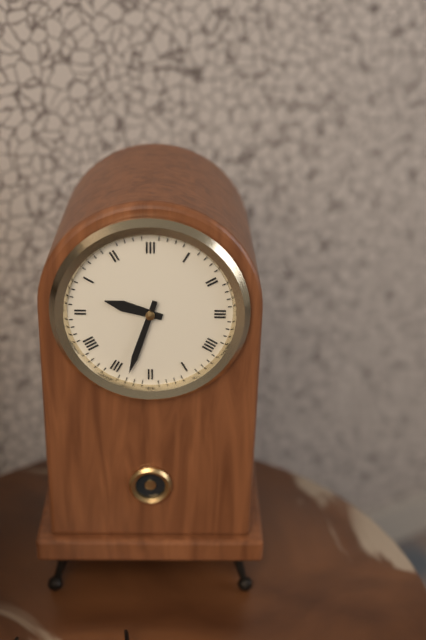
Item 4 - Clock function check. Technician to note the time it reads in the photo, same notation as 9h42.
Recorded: 9h33
